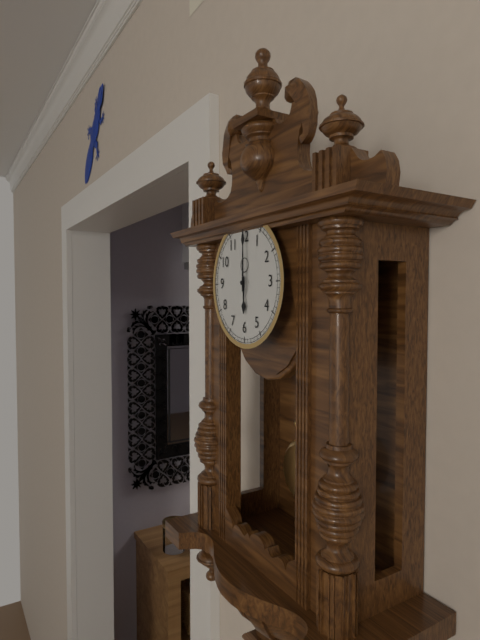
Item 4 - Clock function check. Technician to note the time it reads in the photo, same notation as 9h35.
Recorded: 6h00
